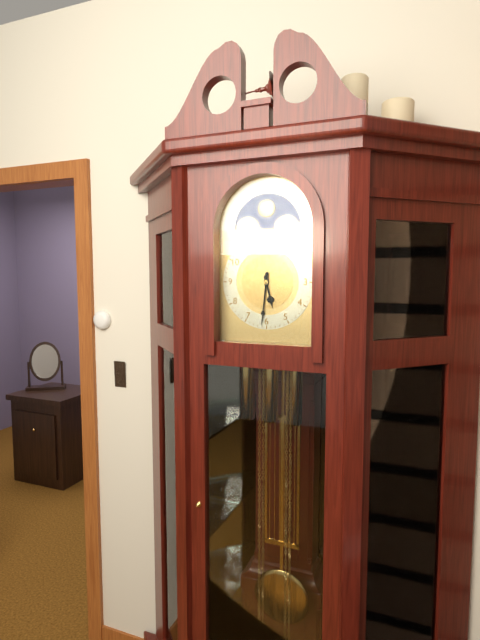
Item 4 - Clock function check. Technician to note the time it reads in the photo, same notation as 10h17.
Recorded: 5h31
